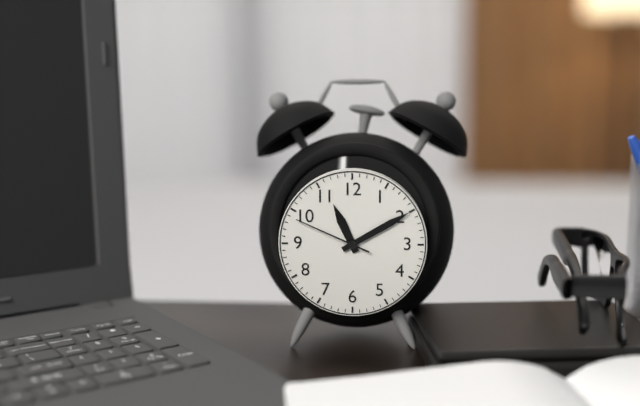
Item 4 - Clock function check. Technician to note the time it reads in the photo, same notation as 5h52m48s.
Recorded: 11h10m49s
